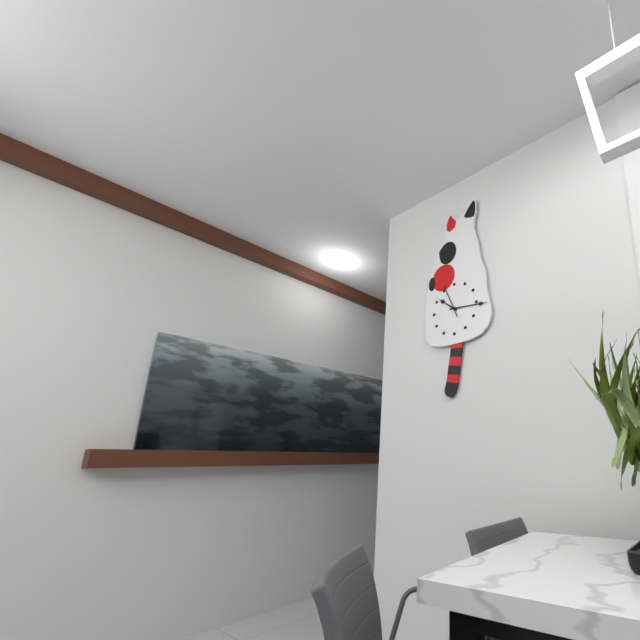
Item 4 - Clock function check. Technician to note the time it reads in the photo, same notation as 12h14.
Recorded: 10h16
